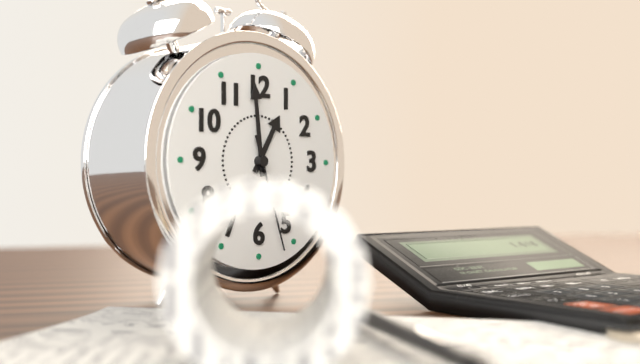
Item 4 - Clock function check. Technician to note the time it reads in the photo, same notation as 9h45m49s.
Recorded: 12h59m27s
